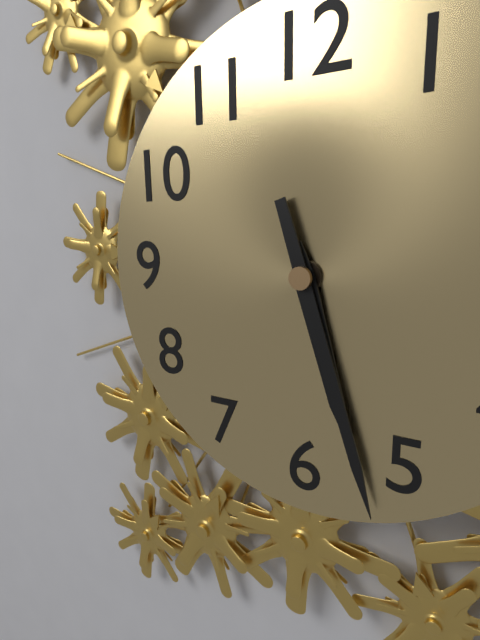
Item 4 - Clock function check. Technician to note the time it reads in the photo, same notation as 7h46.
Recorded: 5h27
